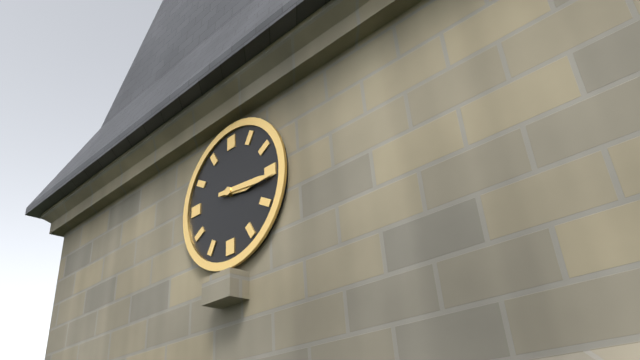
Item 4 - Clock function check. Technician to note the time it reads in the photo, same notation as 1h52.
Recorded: 3h16
